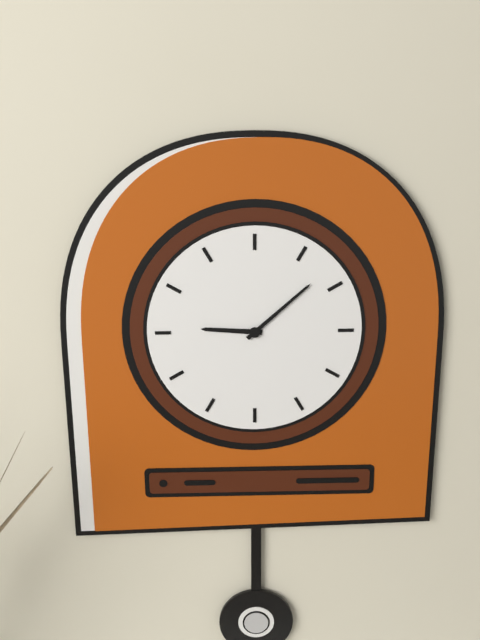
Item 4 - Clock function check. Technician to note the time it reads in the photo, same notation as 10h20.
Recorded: 9h08
